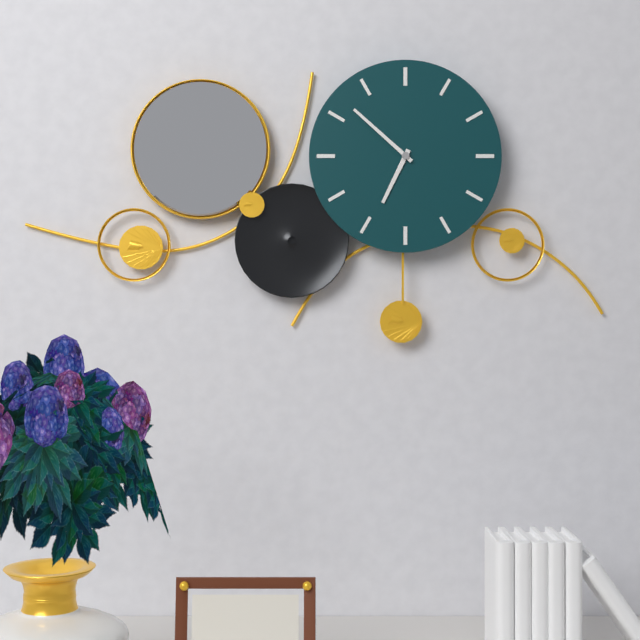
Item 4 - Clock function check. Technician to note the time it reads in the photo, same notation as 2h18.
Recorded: 6h52
